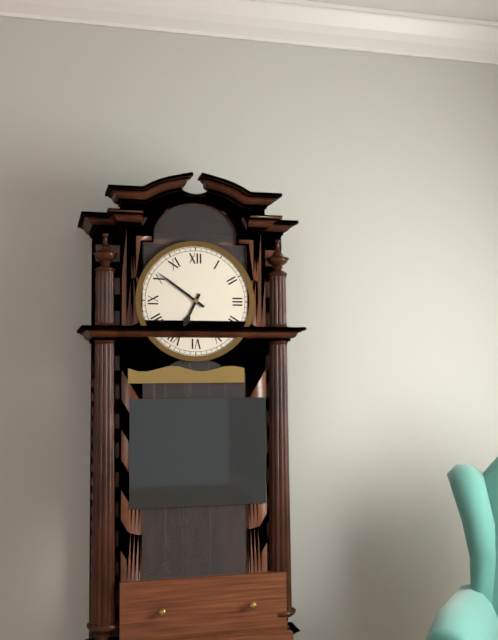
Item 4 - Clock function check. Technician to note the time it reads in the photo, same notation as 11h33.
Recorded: 6h51
